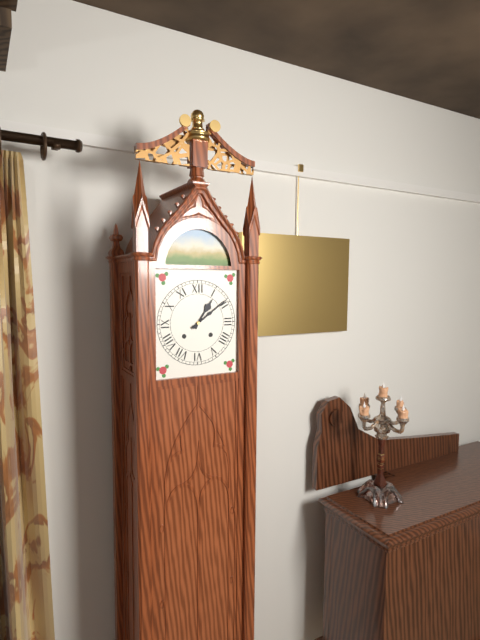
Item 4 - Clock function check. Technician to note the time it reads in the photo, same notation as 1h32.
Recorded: 1h09
